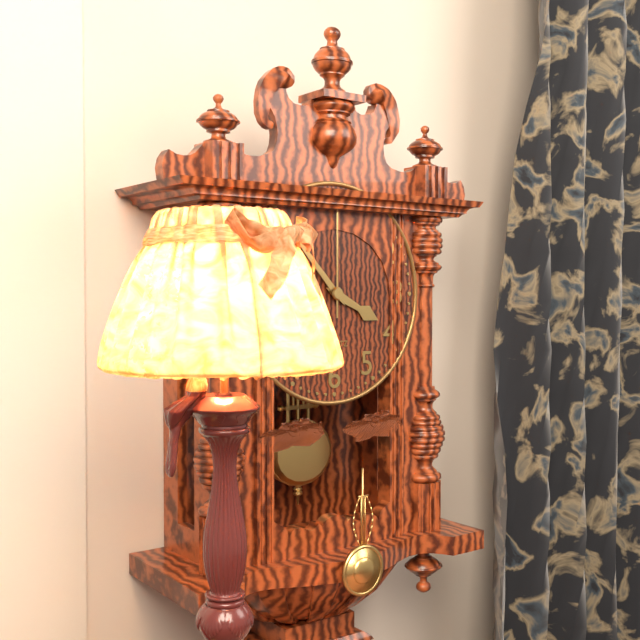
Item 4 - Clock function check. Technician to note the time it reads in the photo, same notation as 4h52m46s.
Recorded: 3h53m00s
